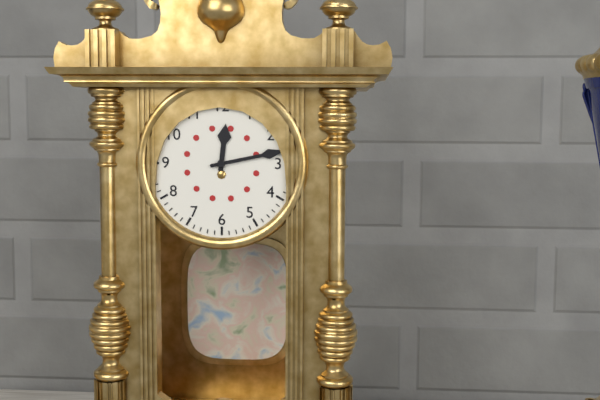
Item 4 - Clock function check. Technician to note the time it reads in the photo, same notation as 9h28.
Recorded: 12h13
